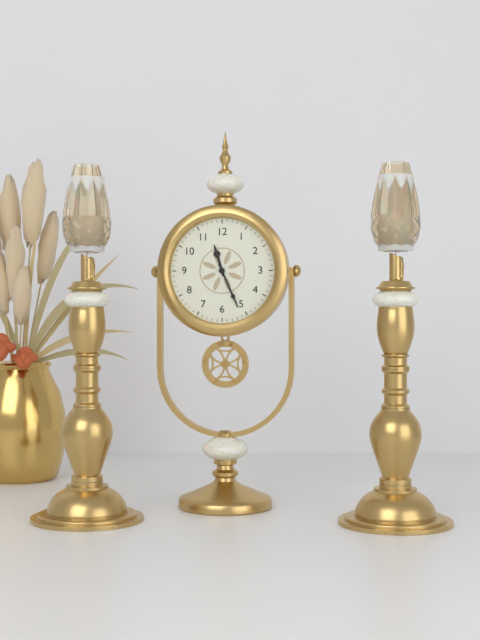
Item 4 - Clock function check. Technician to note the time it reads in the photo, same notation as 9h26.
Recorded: 11h26
